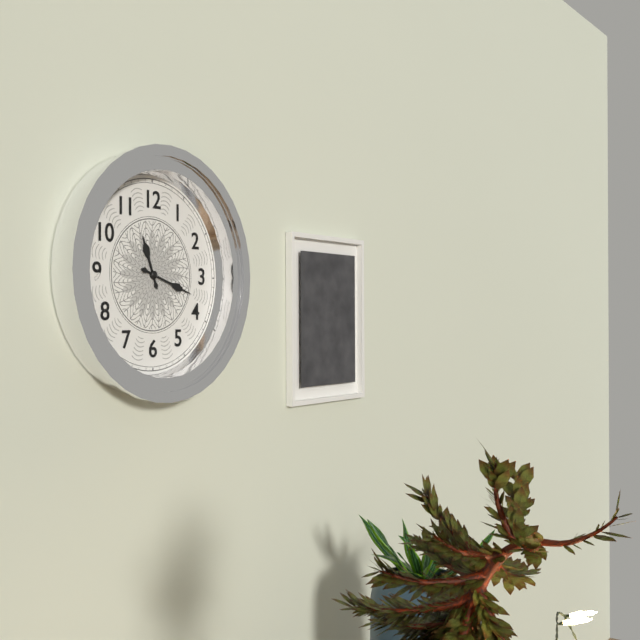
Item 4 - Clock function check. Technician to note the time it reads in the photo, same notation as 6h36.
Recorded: 11h18
